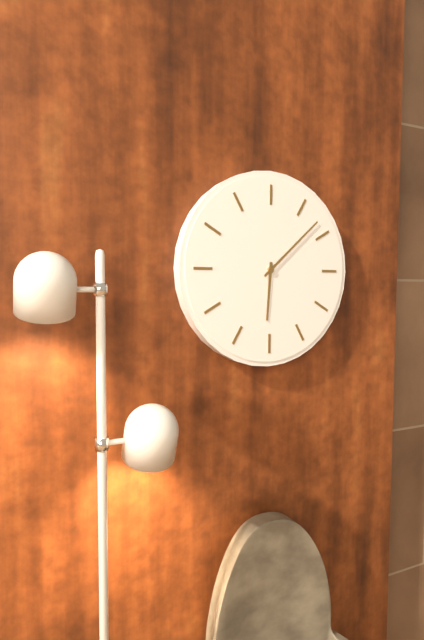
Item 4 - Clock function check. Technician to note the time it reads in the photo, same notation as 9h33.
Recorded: 6h08
